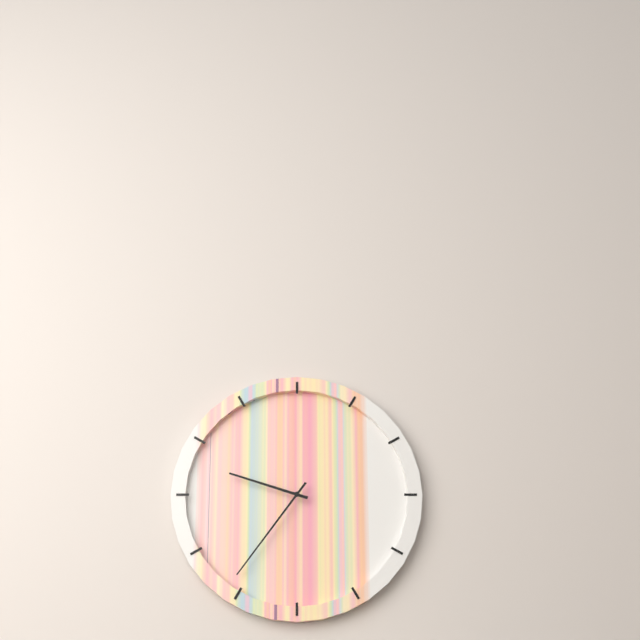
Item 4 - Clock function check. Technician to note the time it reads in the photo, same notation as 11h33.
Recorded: 9h36
